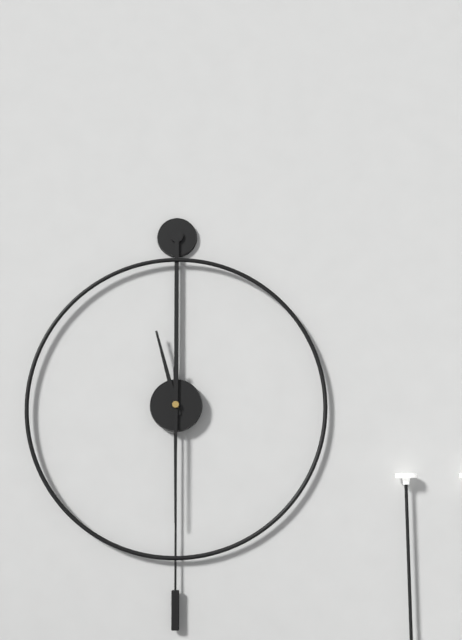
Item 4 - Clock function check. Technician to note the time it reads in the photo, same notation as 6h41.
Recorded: 11h30
